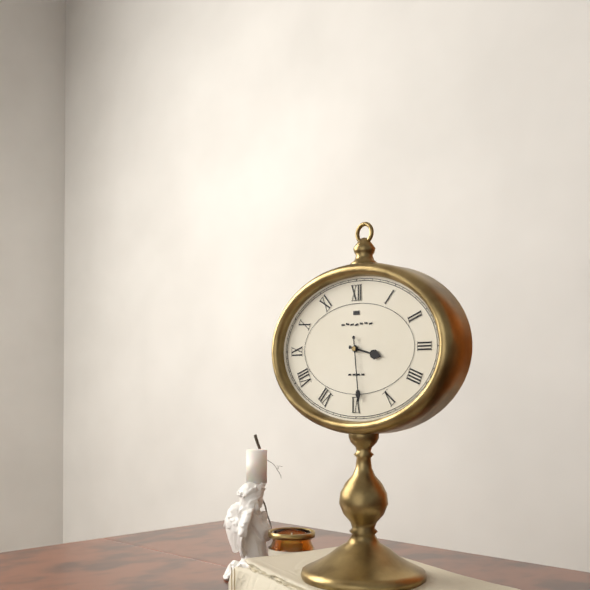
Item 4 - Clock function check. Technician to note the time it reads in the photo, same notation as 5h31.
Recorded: 3h29
